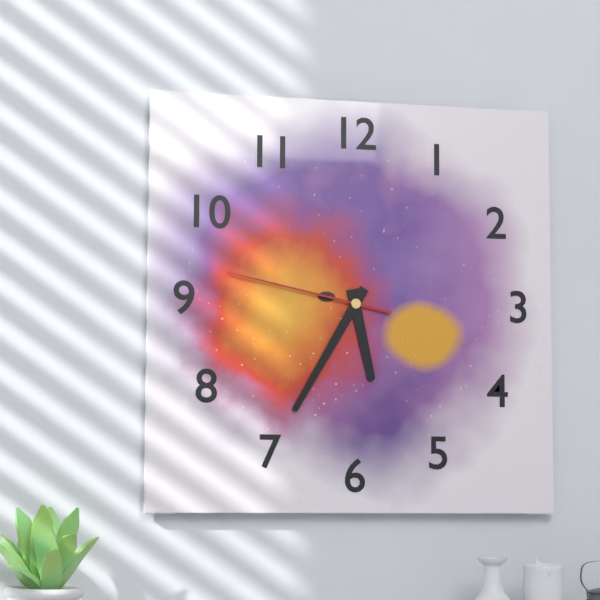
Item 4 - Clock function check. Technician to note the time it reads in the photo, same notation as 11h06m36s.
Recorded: 5h35m47s
